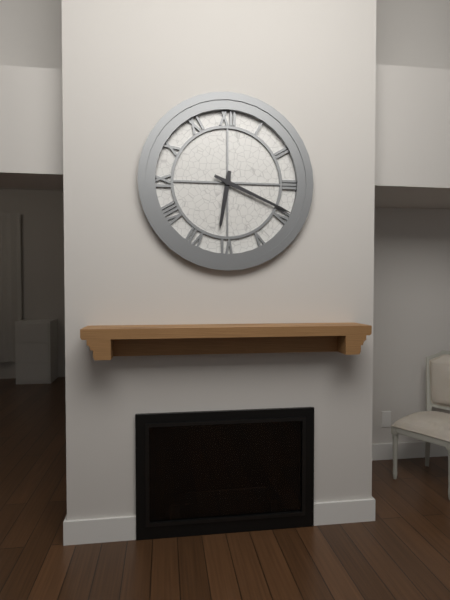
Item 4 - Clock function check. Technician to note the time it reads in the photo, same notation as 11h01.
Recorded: 6h19
